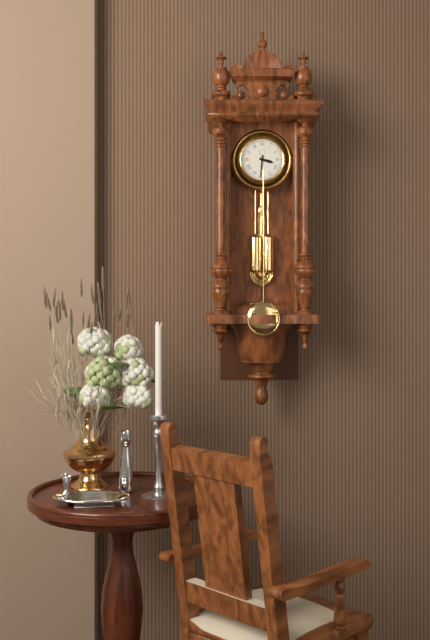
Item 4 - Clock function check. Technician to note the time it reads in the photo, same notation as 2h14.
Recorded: 3h31
